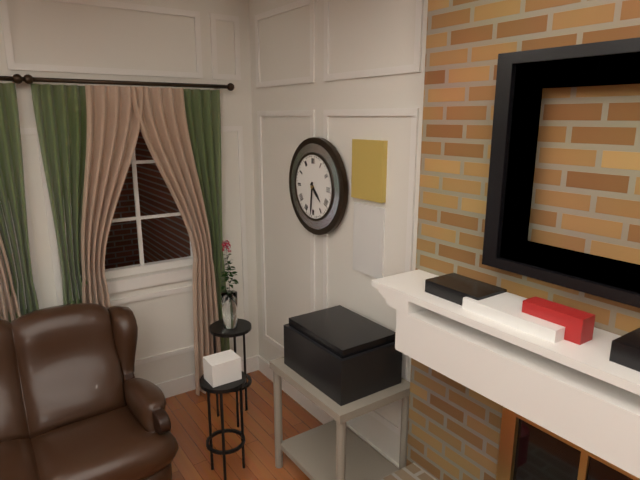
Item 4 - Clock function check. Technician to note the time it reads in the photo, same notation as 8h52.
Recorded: 4h31
